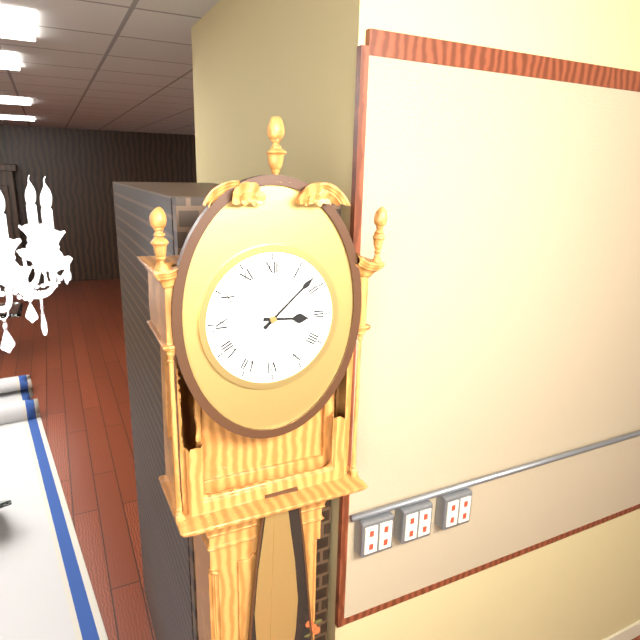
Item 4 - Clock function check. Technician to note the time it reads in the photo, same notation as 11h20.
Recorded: 3h08
